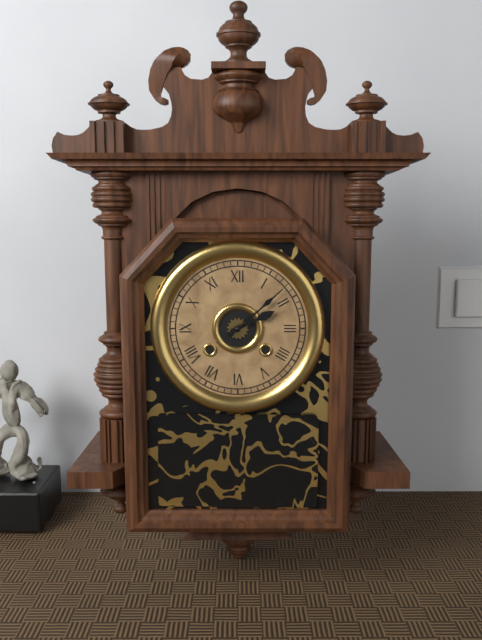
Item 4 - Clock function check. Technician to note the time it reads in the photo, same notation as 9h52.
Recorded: 2h08
